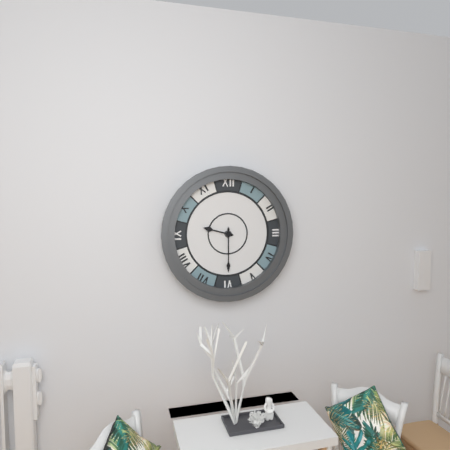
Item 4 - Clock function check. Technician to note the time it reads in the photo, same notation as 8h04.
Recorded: 9h30
